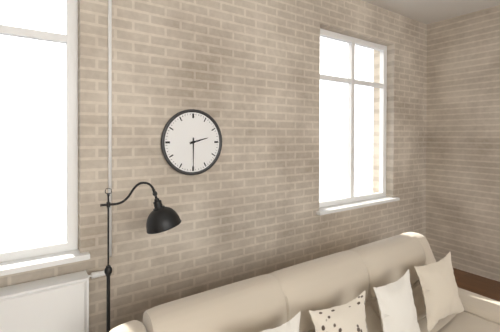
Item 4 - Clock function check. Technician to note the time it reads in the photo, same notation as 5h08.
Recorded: 2h30
